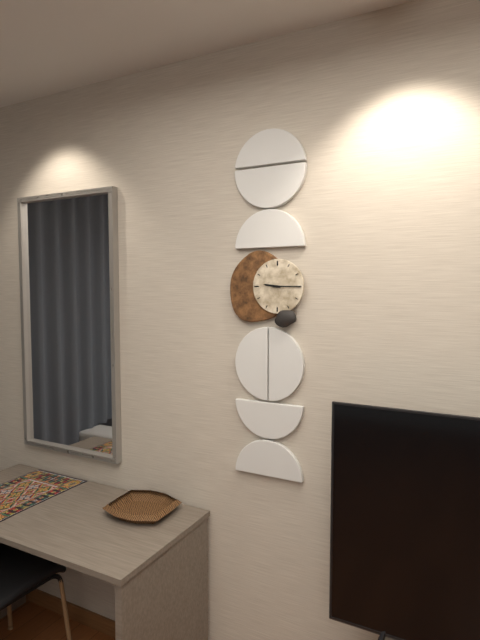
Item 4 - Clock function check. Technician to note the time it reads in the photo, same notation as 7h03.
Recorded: 9h15
